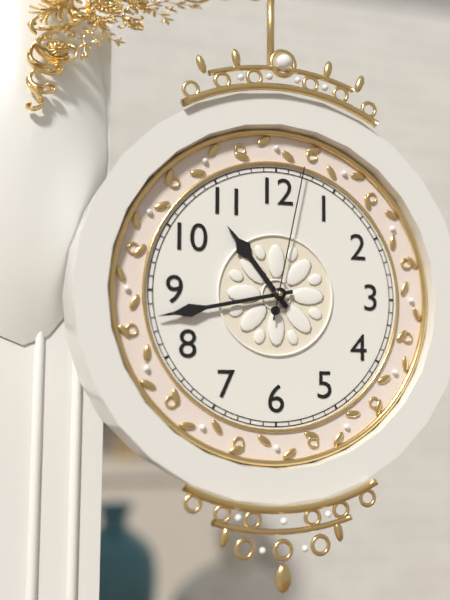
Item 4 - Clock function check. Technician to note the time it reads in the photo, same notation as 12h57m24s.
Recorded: 10h43m02s
